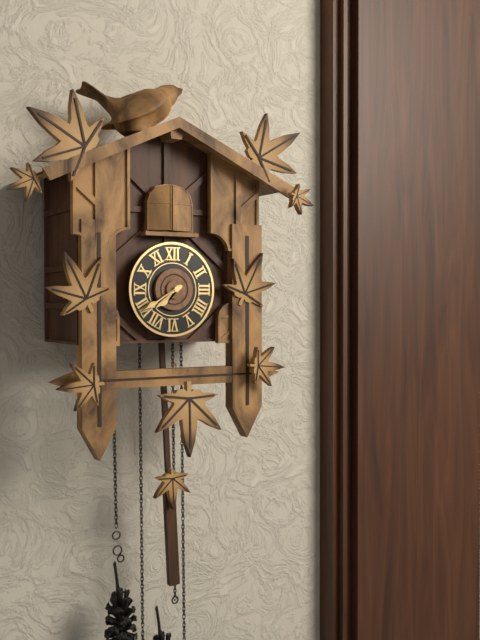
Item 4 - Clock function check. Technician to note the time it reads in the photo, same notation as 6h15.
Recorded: 7h40
